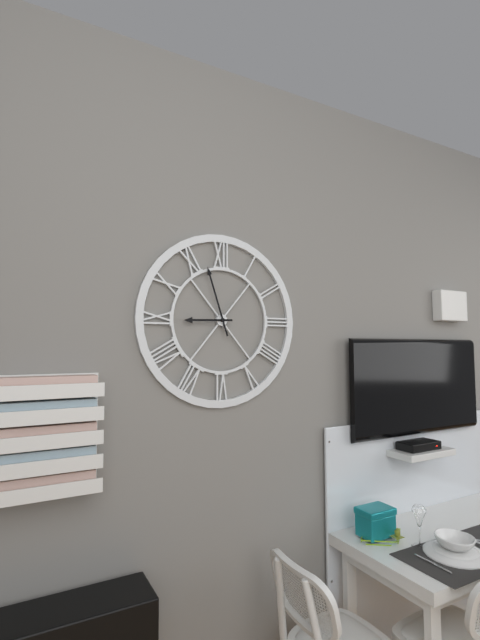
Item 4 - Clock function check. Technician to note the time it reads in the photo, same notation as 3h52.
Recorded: 8h57
